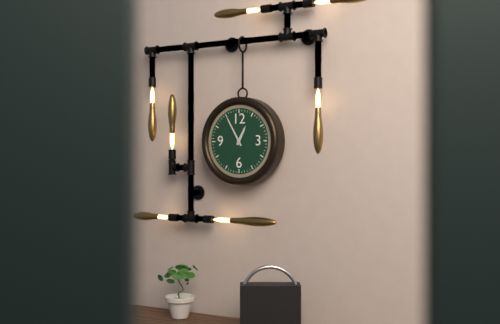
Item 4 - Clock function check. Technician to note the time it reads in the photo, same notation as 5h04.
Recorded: 12h55
